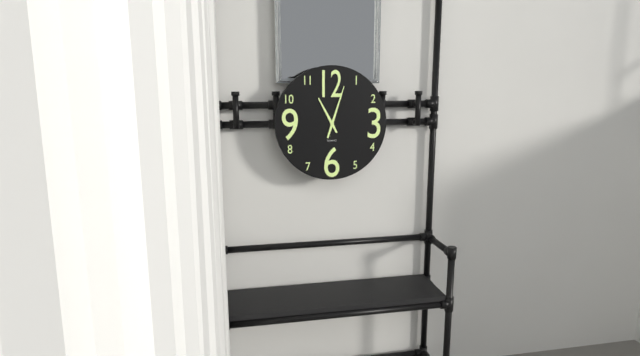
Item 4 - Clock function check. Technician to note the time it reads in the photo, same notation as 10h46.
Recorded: 11h03
